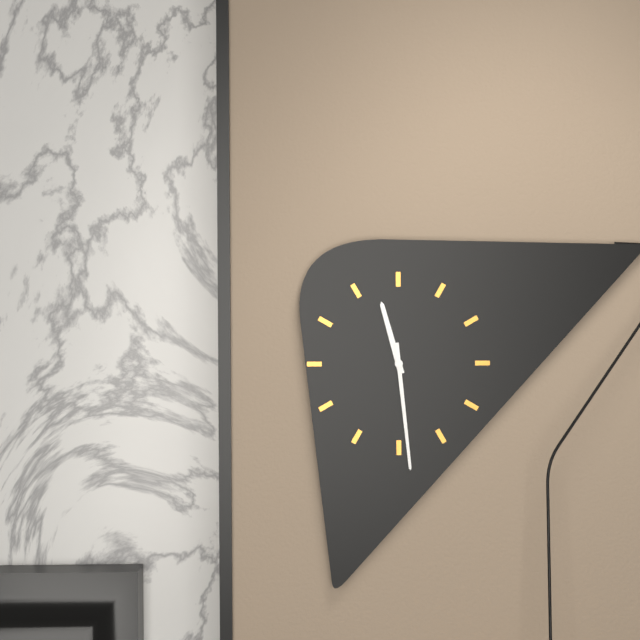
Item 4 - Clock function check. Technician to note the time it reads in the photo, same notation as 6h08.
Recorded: 11h29
